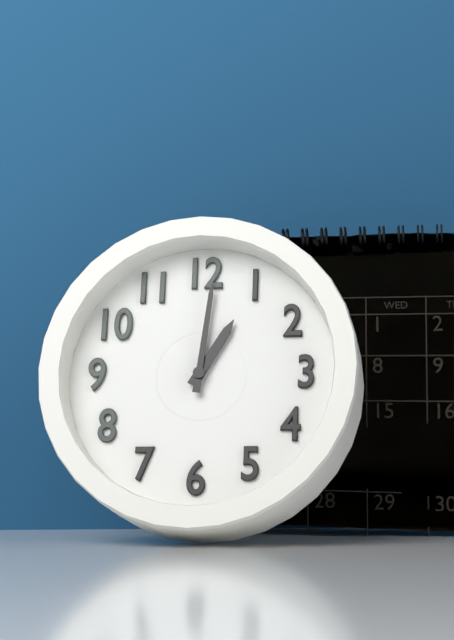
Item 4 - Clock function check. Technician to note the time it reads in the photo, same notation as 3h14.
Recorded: 1h01
